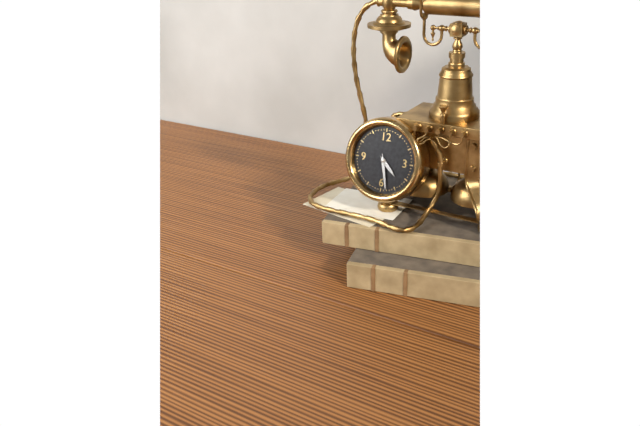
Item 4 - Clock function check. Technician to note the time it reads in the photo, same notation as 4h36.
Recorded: 4h28
